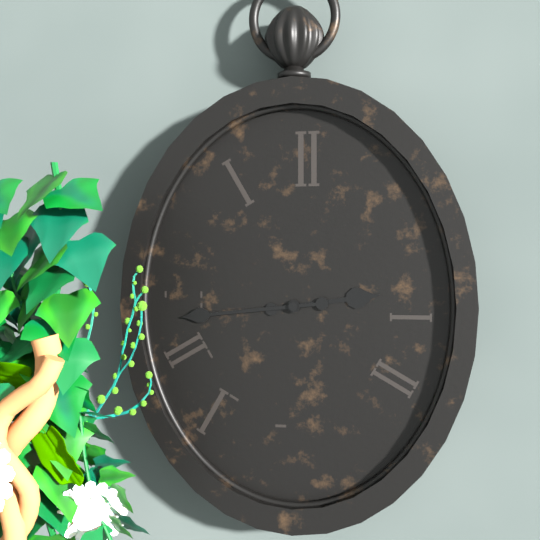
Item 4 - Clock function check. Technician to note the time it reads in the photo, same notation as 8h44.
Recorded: 2h44
